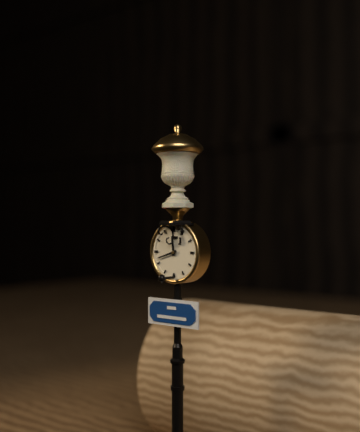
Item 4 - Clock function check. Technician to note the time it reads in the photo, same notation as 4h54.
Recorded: 11h42
